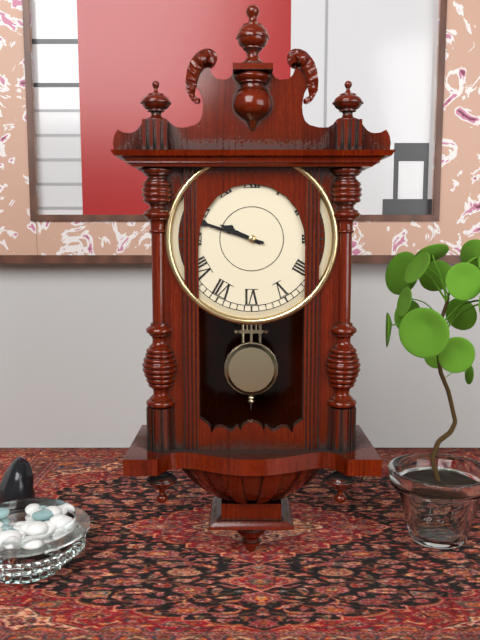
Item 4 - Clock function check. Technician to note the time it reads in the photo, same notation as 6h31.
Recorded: 9h48
